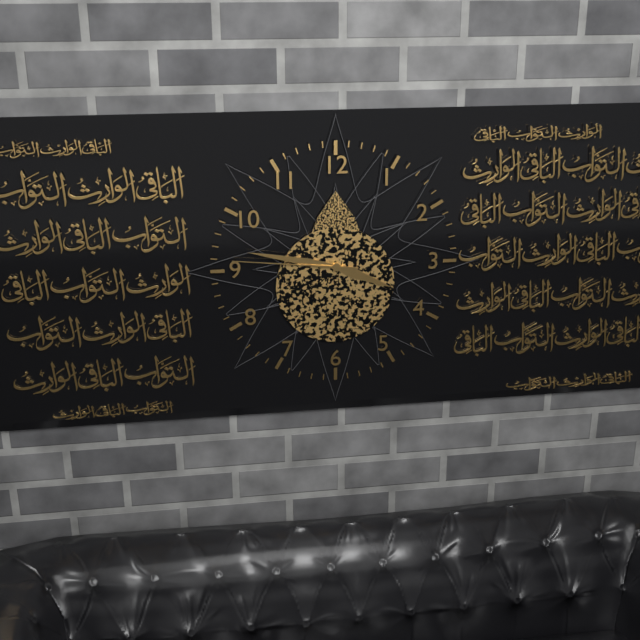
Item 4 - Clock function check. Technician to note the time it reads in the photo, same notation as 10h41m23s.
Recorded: 3h47m46s
